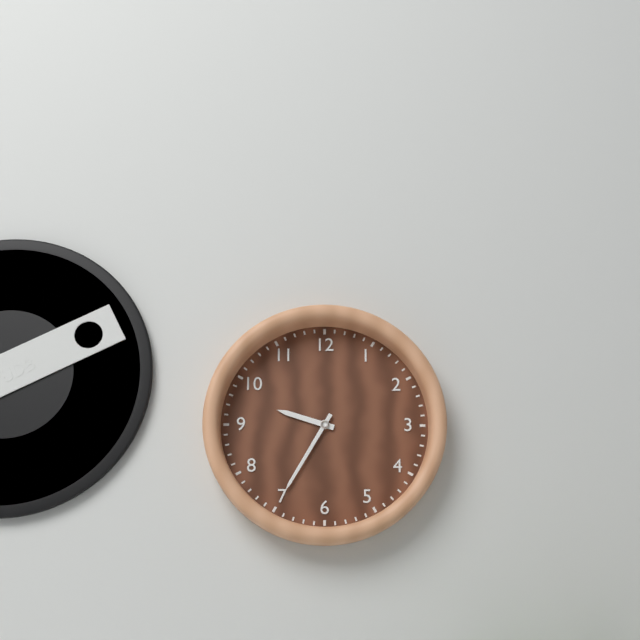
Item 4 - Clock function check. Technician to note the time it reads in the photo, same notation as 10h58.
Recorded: 9h35
